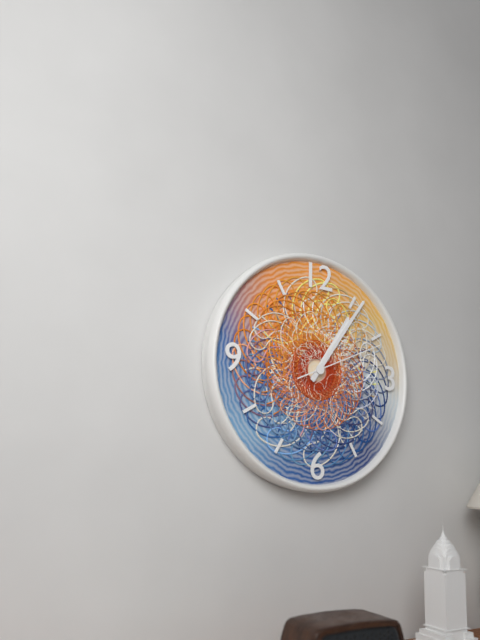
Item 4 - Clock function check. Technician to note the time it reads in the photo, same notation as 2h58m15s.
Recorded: 1h06m11s
